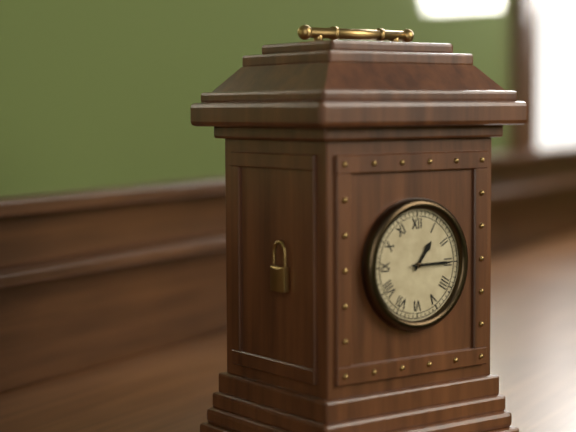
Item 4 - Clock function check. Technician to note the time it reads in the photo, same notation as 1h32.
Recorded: 1h15
